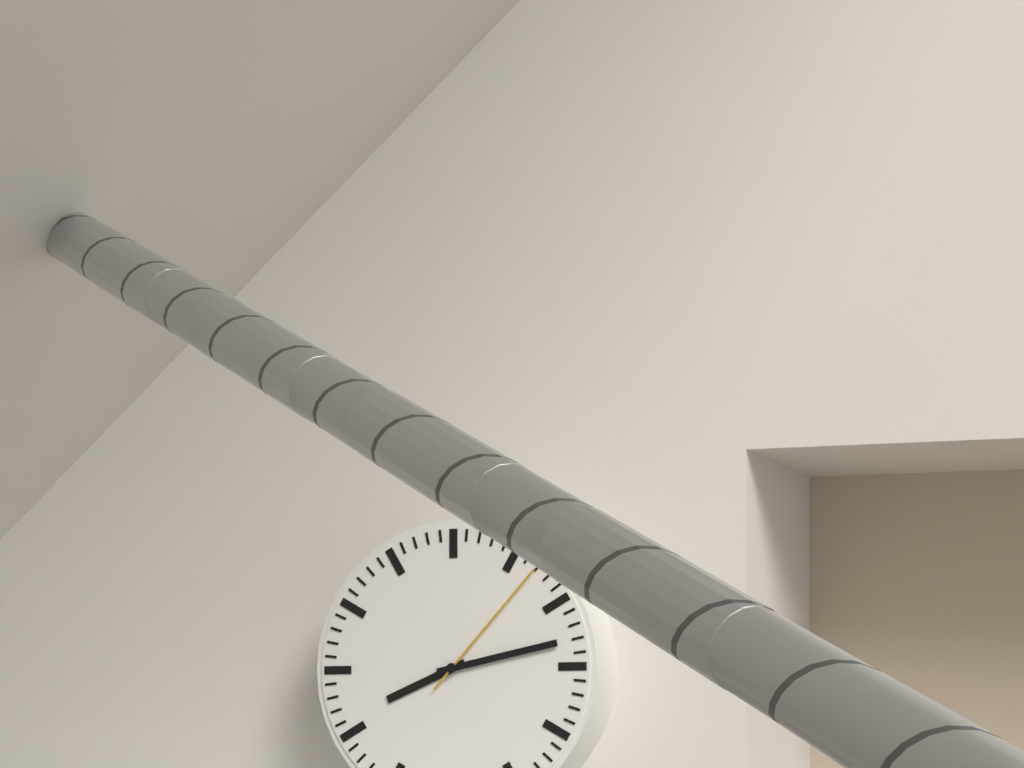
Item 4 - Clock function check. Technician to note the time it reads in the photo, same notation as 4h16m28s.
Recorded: 8h13m07s
